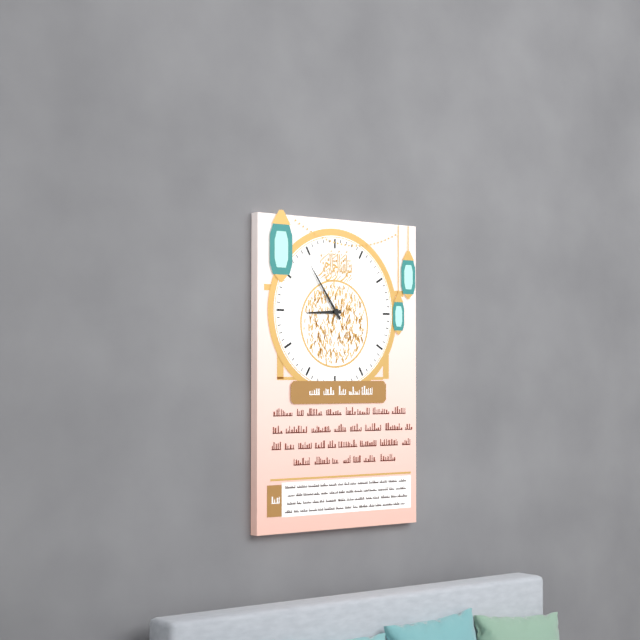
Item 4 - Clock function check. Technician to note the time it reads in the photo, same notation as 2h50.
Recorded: 8h54
